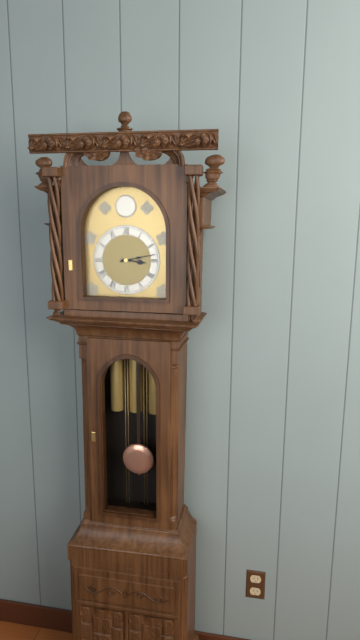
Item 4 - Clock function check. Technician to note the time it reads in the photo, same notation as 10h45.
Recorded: 3h13
